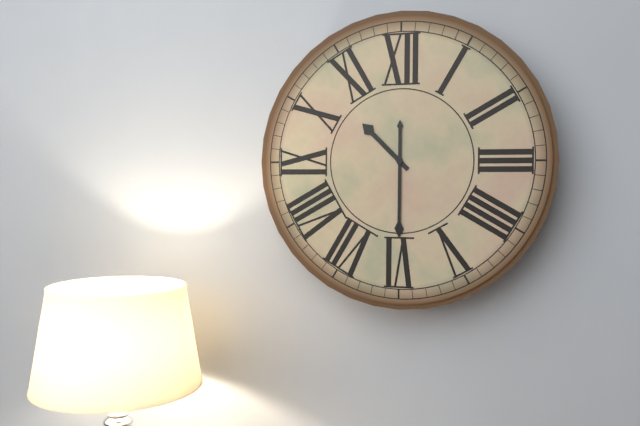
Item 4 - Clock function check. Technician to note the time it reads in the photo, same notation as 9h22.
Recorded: 10h30
